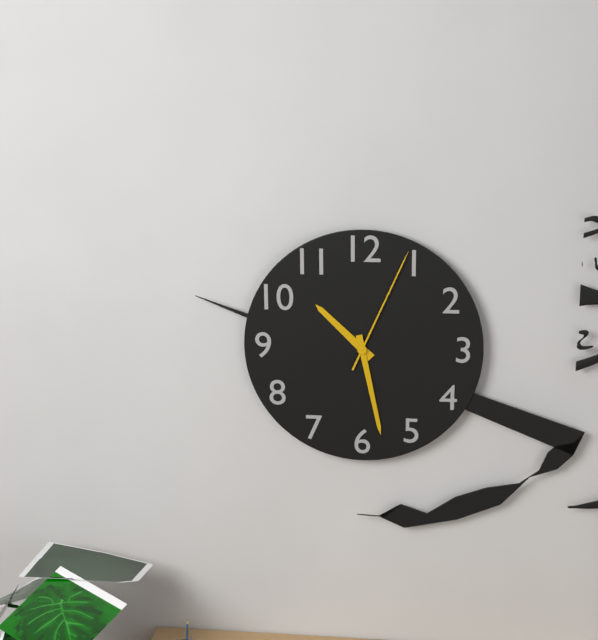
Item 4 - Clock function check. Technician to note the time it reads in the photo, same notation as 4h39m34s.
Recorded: 10h28m04s
